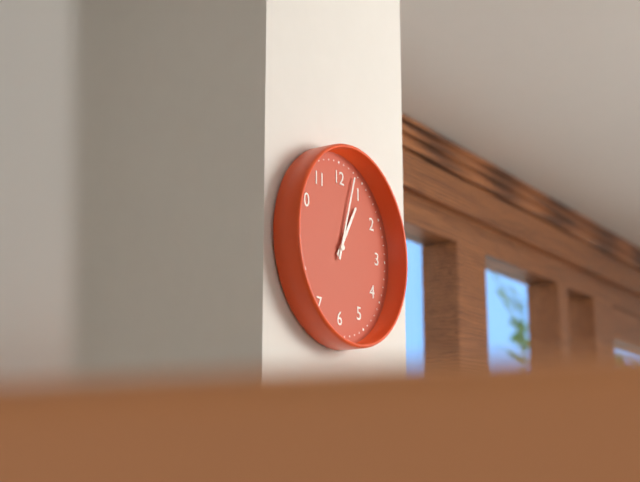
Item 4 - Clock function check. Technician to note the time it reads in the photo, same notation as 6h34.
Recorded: 1h03
